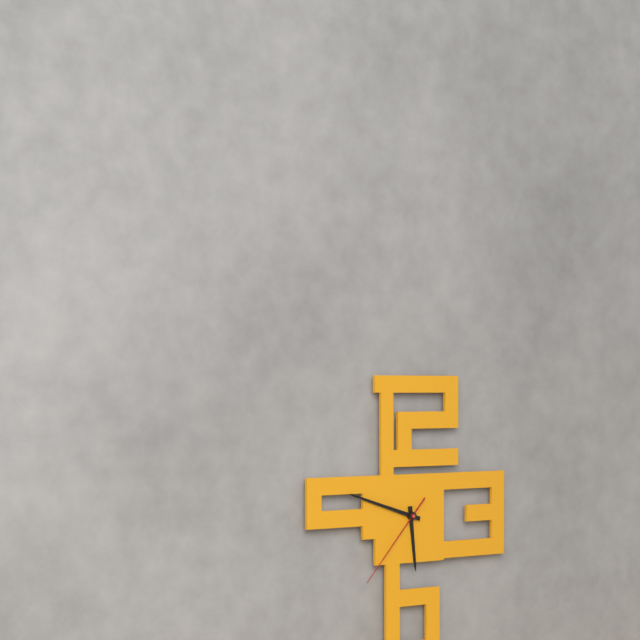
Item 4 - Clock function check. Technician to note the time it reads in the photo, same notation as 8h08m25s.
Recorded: 5h48m37s
